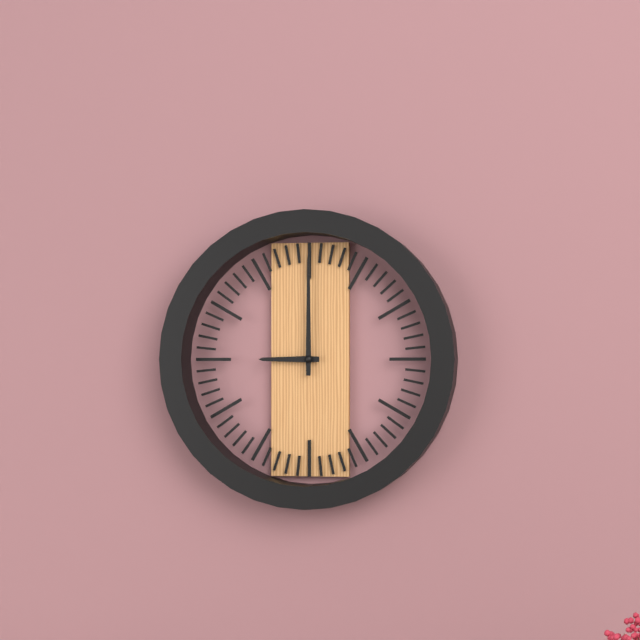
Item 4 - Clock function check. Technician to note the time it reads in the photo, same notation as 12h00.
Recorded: 9h00
